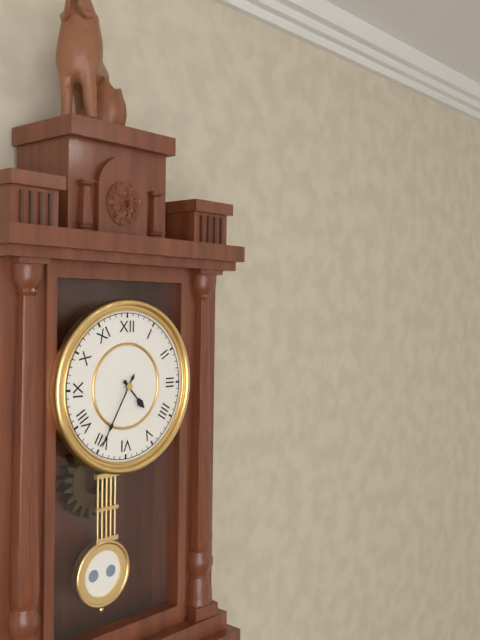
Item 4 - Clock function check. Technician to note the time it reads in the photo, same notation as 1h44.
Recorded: 4h35
